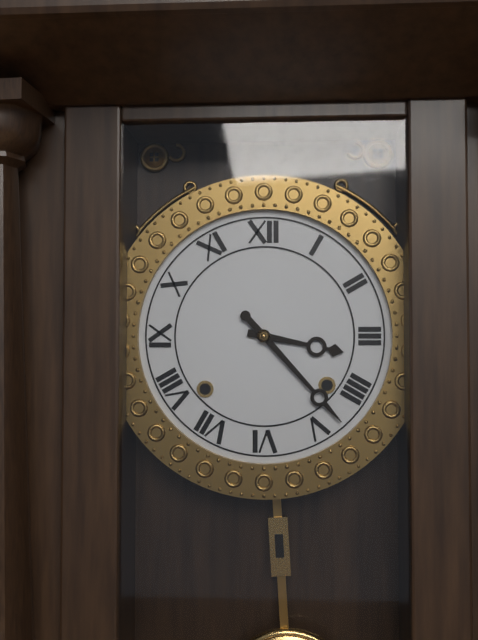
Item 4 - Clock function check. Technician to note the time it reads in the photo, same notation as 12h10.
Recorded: 3h23
